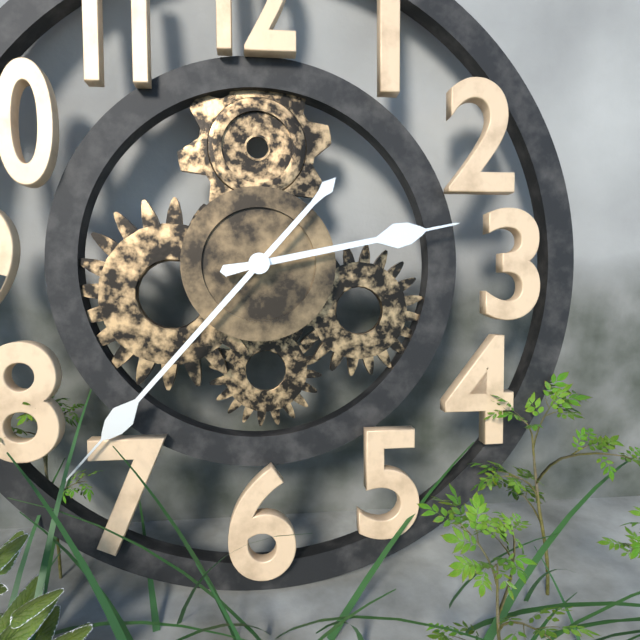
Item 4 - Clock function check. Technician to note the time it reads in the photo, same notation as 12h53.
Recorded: 2h37
